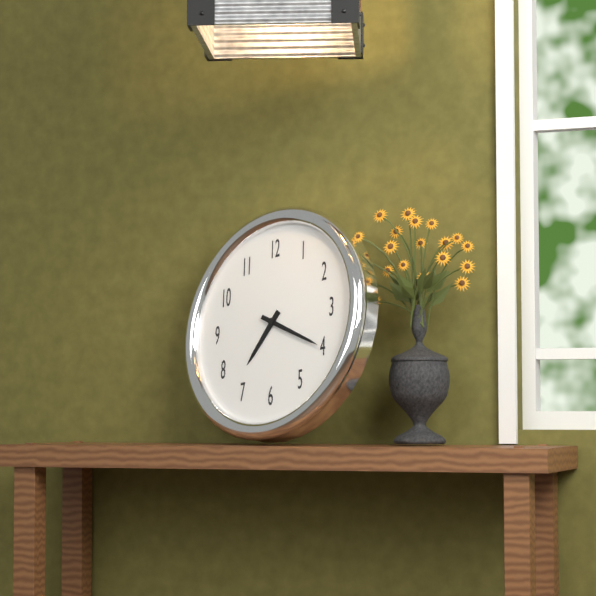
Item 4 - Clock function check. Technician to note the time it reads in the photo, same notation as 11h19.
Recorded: 7h20
